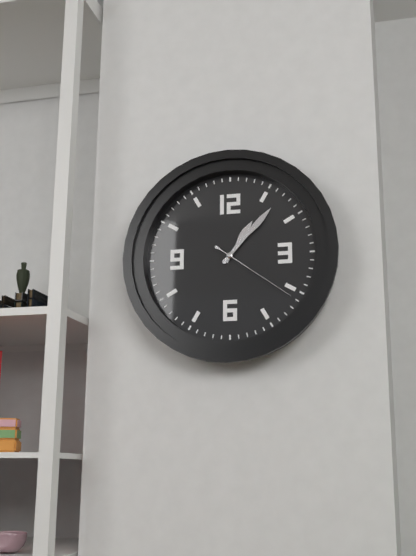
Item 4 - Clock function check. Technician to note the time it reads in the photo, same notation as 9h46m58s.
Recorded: 1h07m21s
